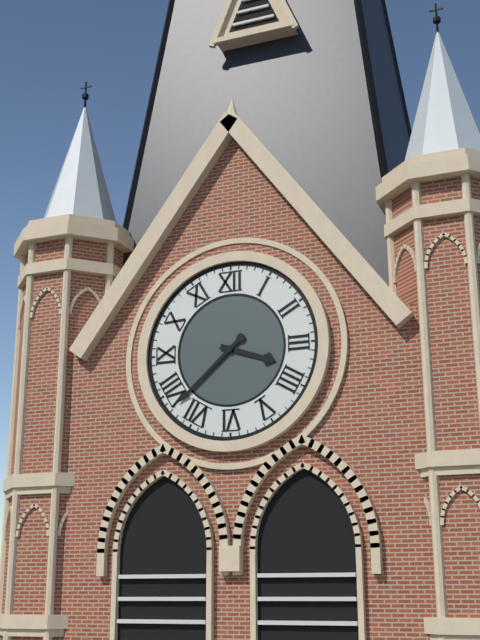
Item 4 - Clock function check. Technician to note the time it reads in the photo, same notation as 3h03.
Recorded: 3h38
